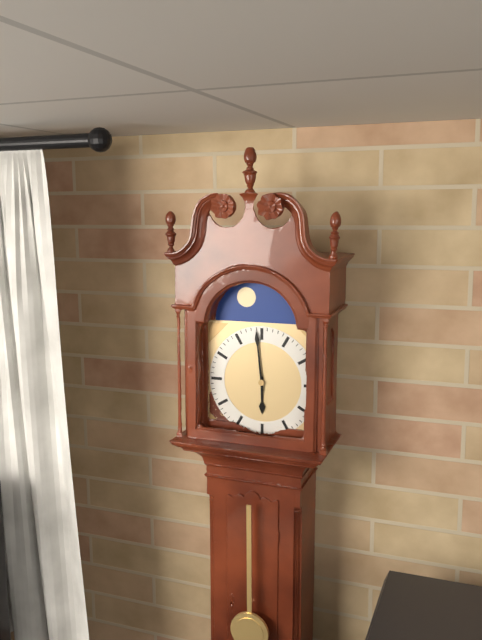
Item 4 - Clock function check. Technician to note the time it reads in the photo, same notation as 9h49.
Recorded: 5h59
